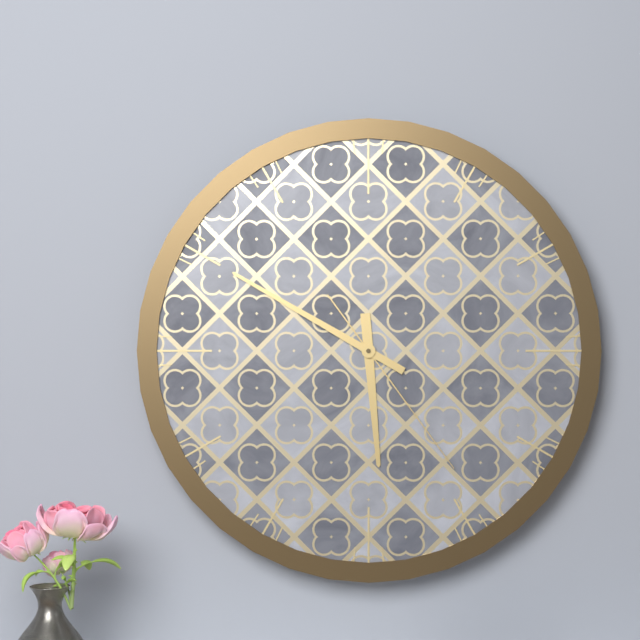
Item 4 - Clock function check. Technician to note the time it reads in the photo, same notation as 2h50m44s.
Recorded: 5h50m24s
